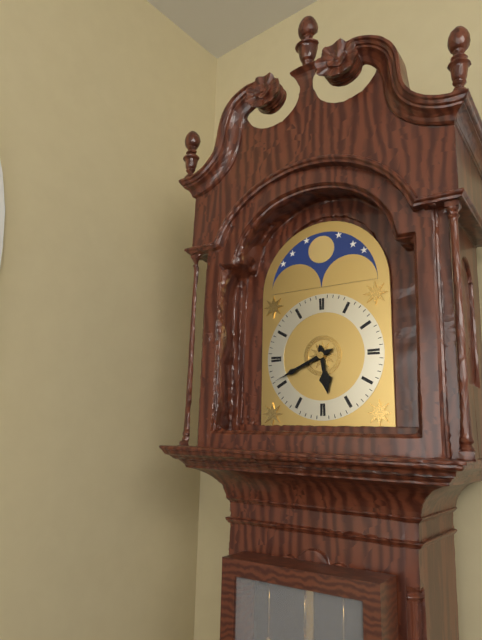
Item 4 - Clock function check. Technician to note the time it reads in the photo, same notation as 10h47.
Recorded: 5h41
